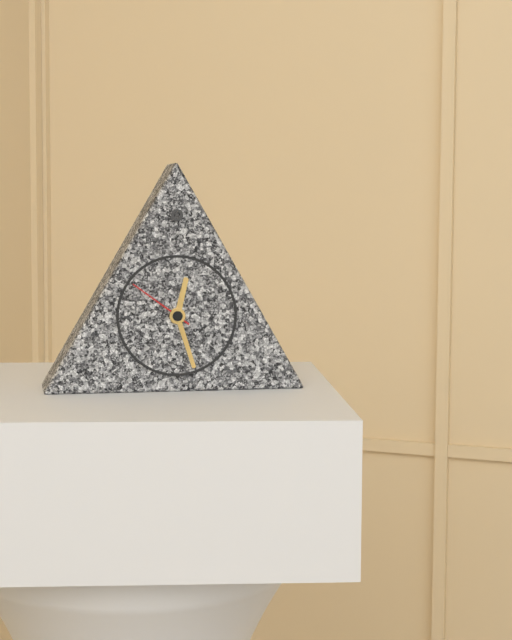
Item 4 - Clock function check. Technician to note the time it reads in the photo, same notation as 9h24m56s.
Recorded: 12h27m51s
